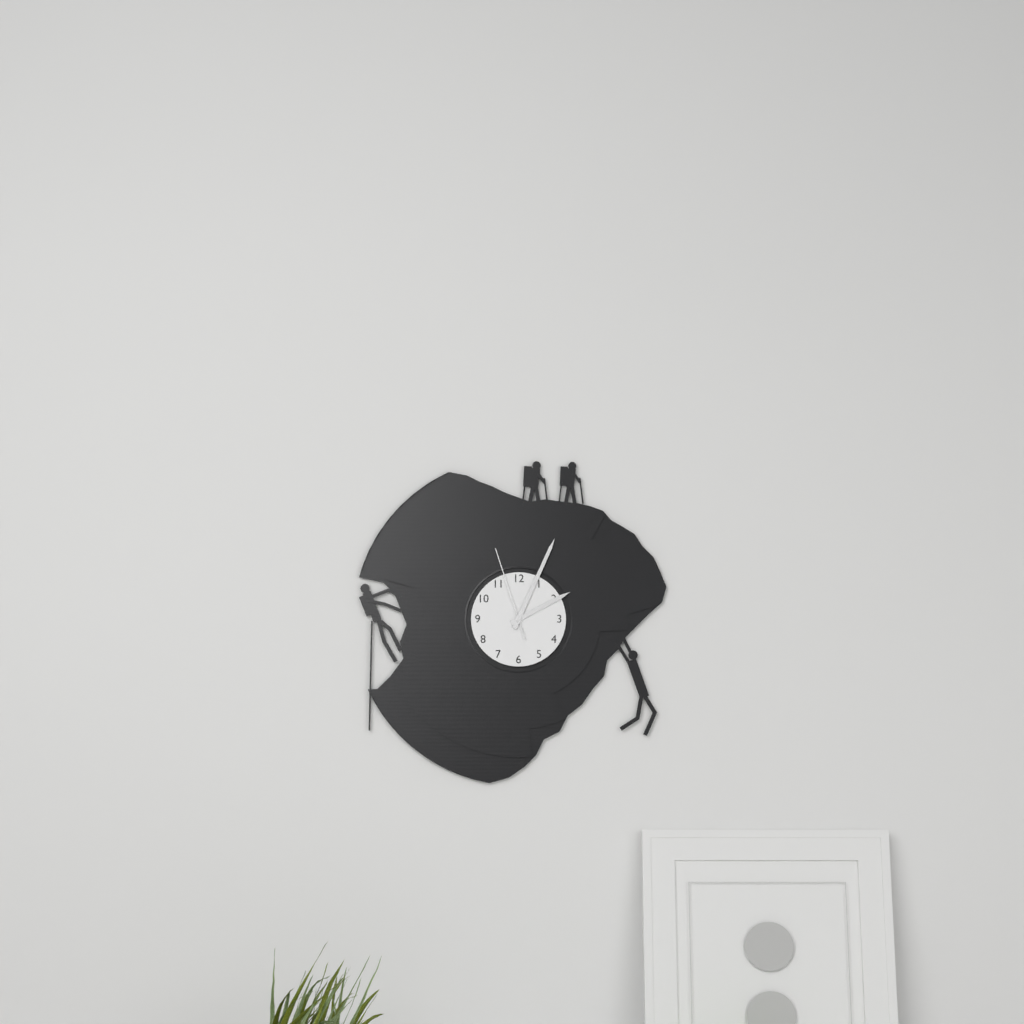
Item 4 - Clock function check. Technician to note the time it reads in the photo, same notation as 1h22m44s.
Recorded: 2h04m57s
